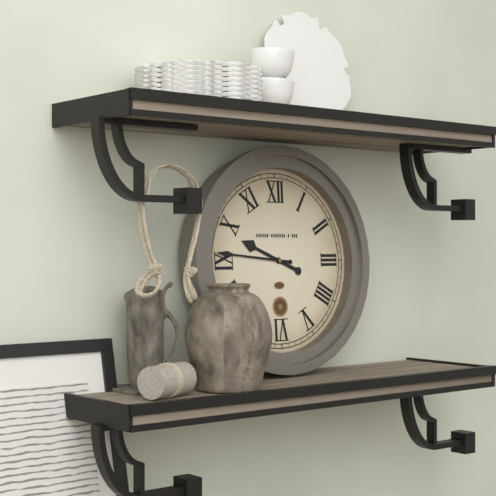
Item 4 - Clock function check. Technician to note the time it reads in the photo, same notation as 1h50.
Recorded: 9h46
